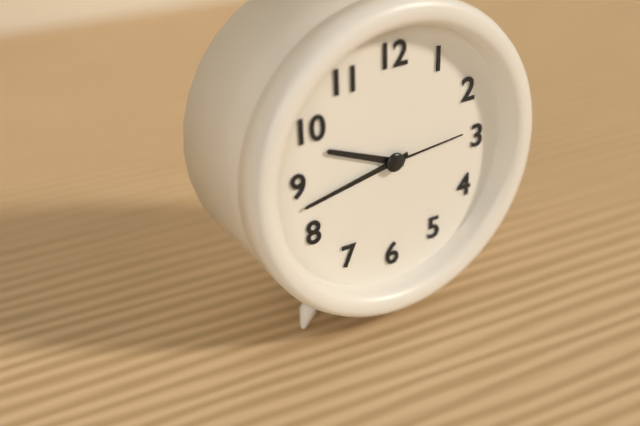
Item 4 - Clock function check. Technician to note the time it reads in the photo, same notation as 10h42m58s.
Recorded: 9h43m14s
